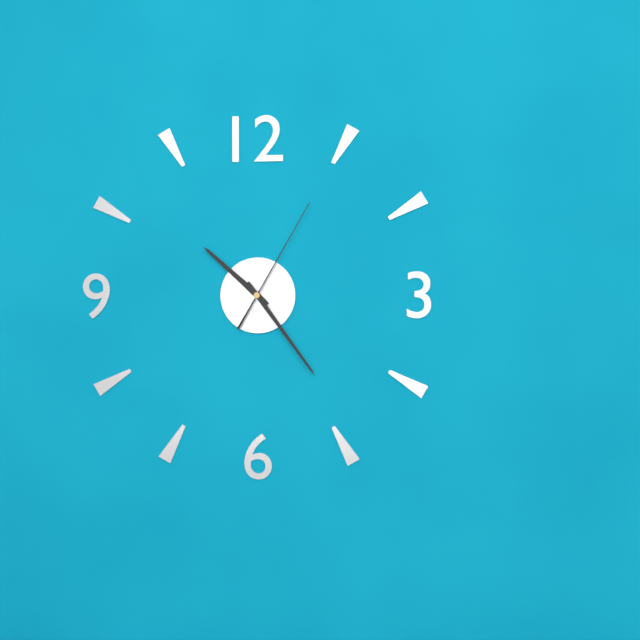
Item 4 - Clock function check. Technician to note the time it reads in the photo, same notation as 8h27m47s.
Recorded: 10h24m05s
